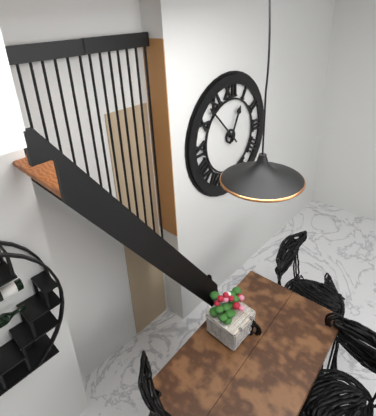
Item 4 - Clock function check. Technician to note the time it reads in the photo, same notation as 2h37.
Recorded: 12h53
